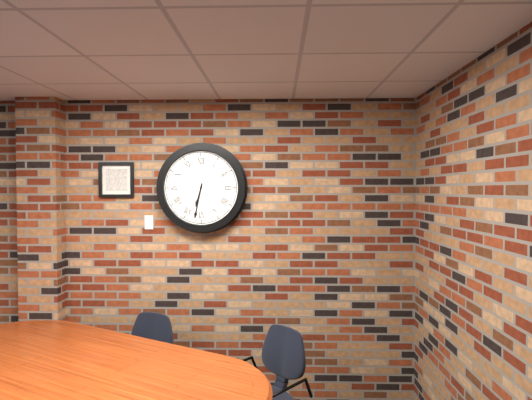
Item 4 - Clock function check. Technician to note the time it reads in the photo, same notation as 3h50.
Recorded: 6h32
